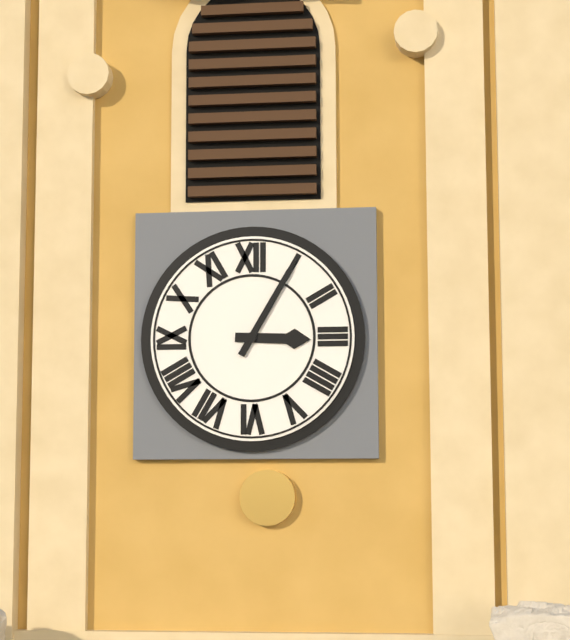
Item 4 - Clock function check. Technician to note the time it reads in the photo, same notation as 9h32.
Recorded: 3h05
